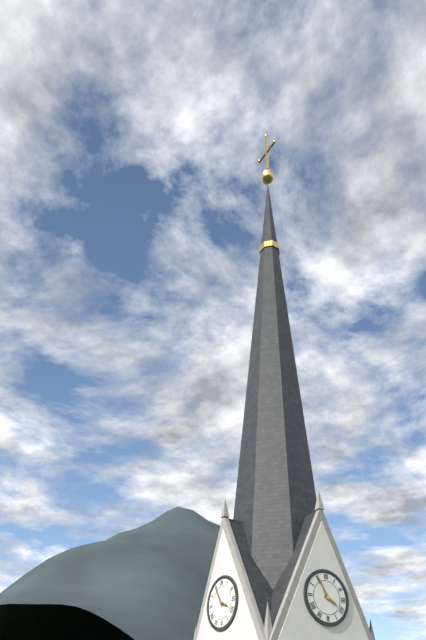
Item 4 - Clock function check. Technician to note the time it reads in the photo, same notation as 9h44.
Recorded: 3h55
